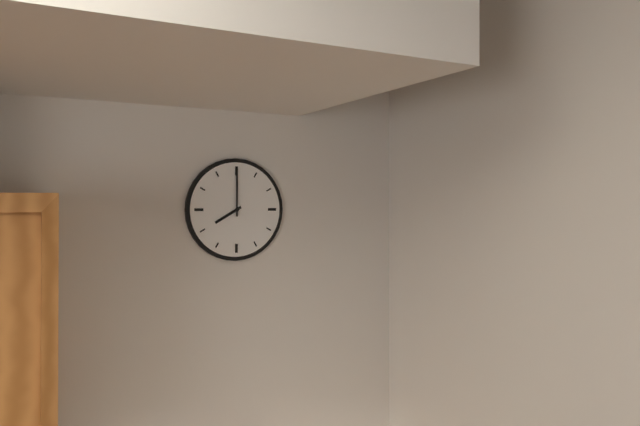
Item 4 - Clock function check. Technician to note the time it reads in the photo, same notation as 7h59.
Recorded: 8h00
